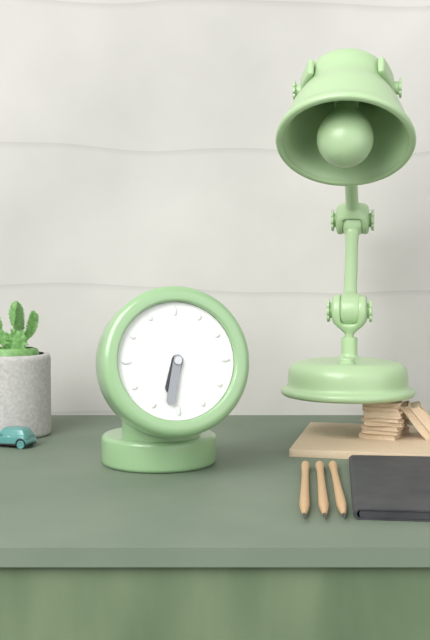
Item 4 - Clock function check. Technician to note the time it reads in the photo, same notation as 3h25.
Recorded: 6h32
